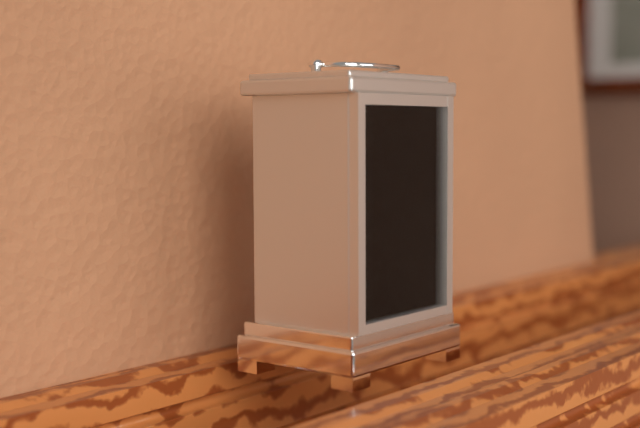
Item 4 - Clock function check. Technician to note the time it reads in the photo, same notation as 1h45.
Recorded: 5h53
